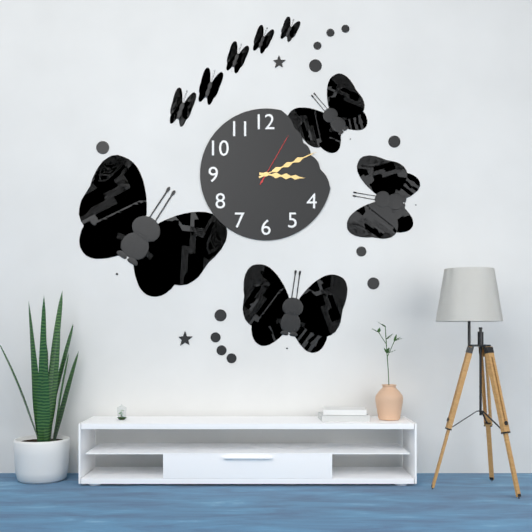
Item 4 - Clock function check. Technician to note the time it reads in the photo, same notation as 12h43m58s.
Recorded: 3h11m05s
